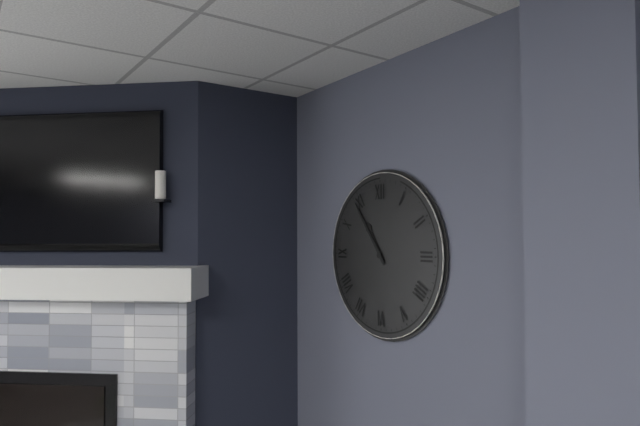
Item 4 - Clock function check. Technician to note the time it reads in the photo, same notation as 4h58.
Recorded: 10h54
